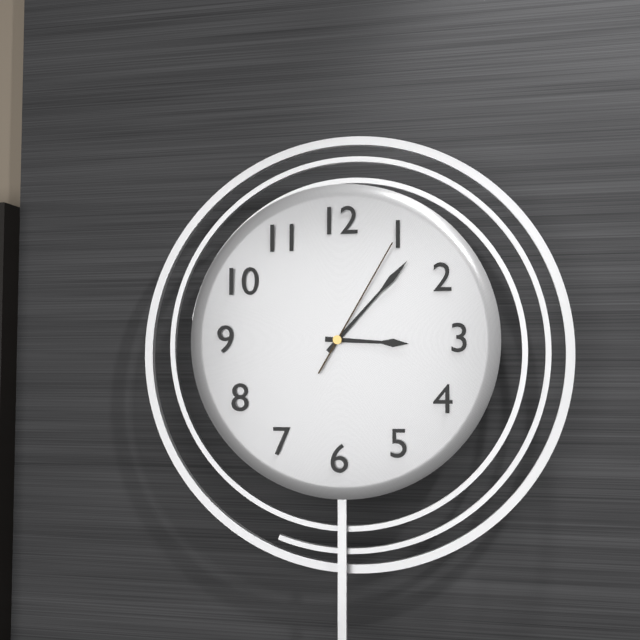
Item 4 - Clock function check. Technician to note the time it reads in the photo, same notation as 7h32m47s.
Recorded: 3h07m05s
